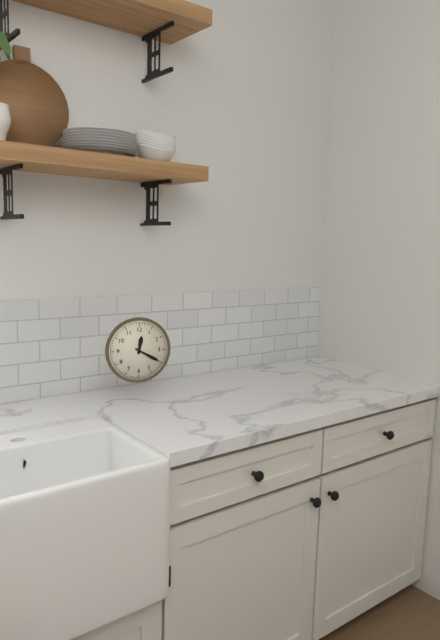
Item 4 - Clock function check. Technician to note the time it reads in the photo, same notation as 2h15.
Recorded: 12h20
